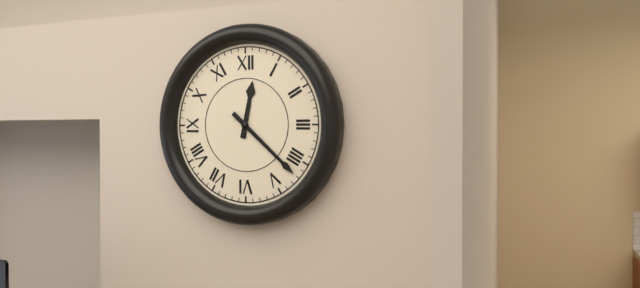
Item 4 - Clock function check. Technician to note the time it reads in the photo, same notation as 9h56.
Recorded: 12h22
